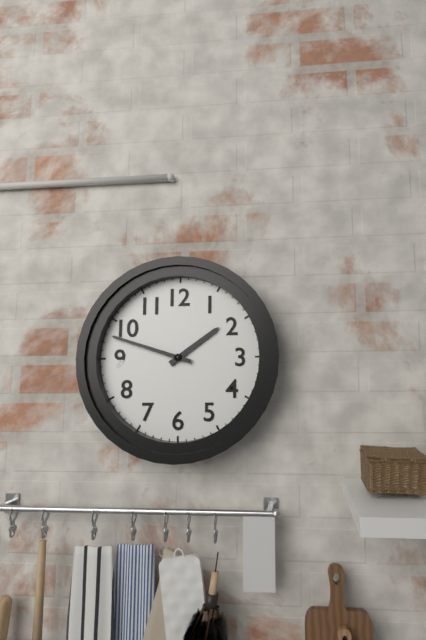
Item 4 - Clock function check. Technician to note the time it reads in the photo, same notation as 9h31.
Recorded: 1h48
